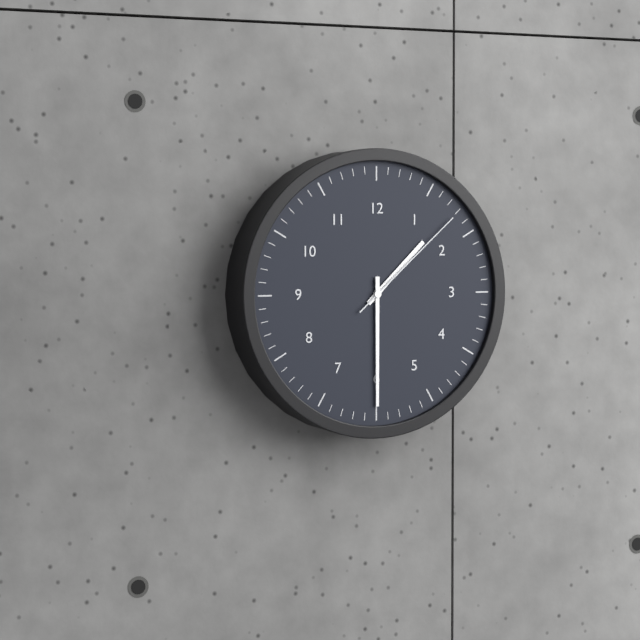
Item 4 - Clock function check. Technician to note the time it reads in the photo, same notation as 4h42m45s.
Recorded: 1h30m08s
